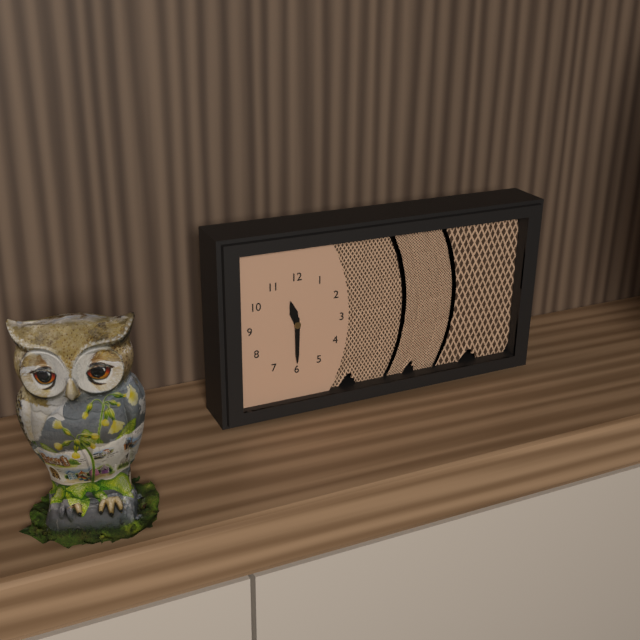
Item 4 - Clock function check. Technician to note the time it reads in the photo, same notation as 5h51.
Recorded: 11h30
